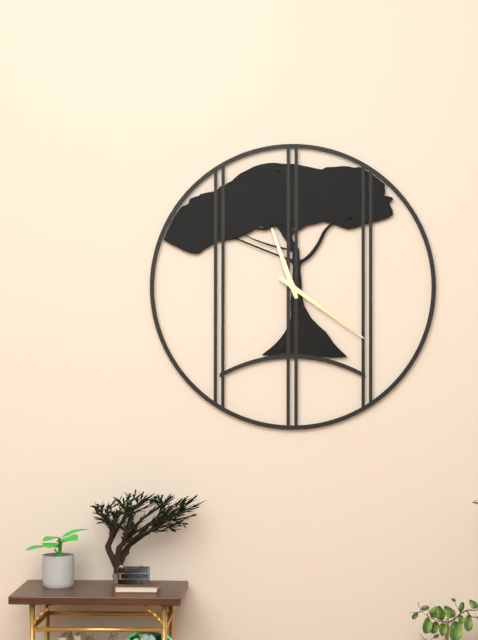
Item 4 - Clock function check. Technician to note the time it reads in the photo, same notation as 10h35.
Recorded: 11h21
